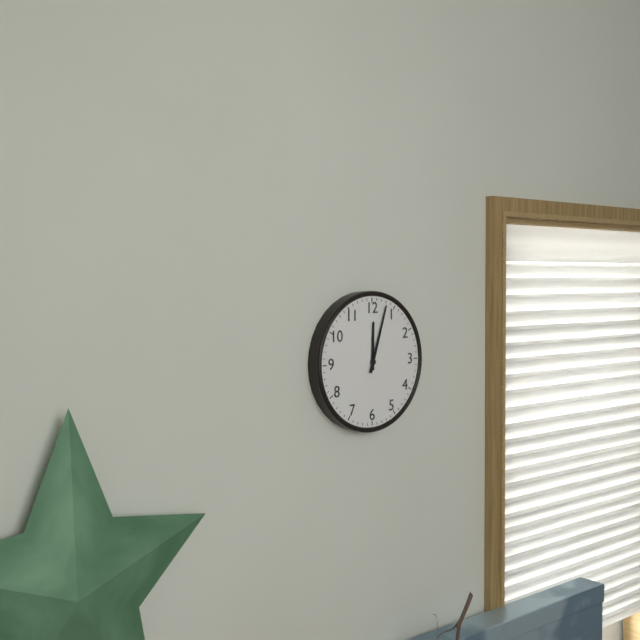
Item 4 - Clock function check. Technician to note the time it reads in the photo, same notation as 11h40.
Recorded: 12h03
